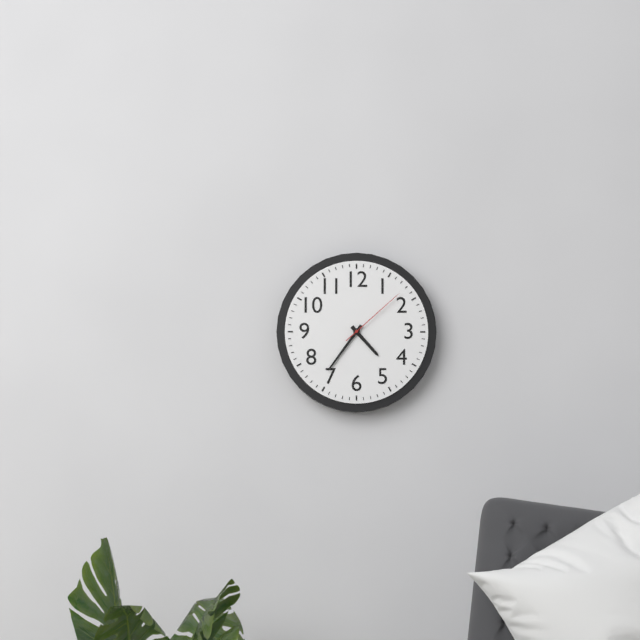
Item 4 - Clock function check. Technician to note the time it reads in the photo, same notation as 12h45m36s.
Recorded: 4h36m08s
